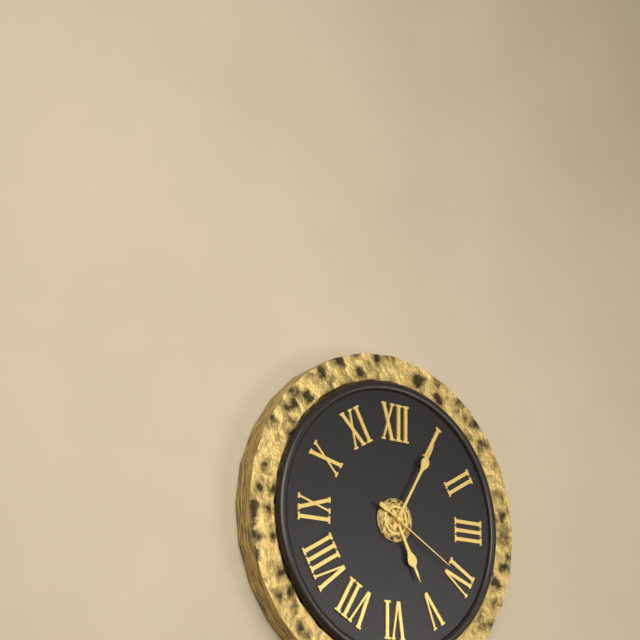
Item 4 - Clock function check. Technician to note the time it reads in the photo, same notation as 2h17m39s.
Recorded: 5h05m20s
